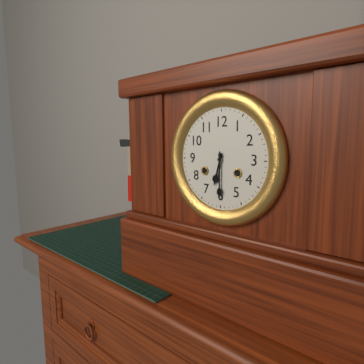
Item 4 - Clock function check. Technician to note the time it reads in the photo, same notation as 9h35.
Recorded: 6h30
